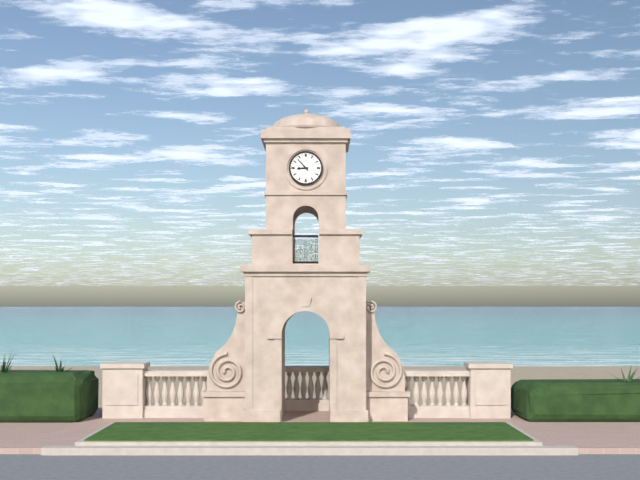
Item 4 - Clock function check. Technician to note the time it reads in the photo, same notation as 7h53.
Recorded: 8h53
